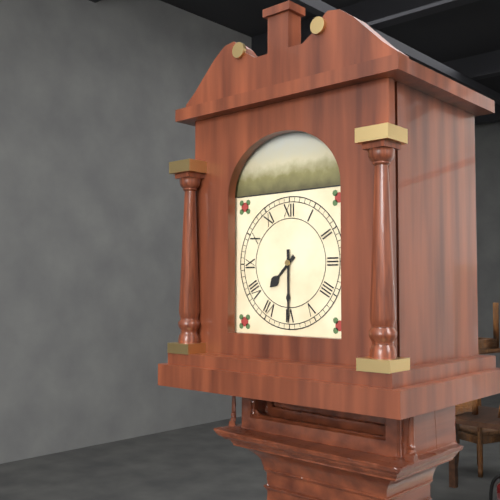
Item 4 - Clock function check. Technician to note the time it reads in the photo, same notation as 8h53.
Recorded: 7h30
